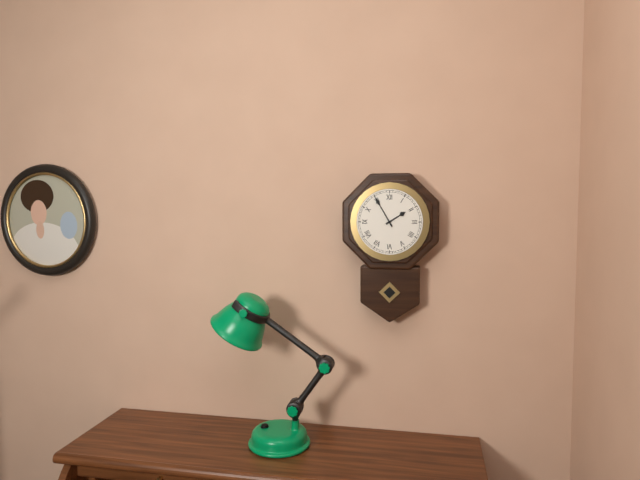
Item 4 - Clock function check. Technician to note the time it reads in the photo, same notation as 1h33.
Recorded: 1h55
